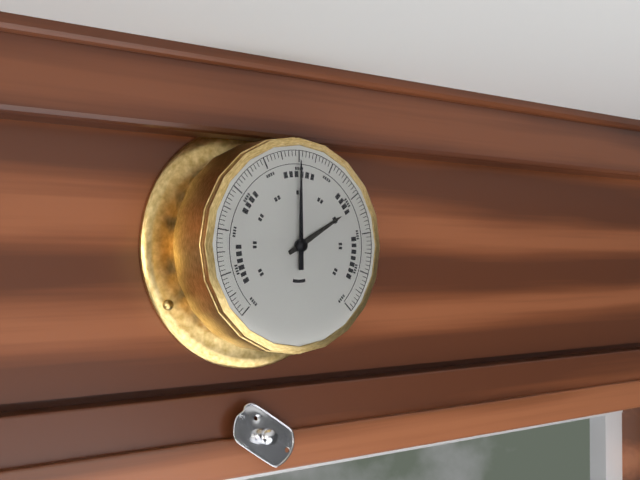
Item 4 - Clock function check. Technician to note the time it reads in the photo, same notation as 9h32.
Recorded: 2h00
